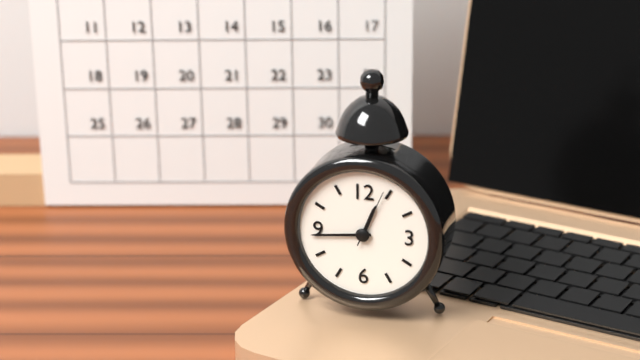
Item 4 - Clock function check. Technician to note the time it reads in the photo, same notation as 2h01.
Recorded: 12h44
